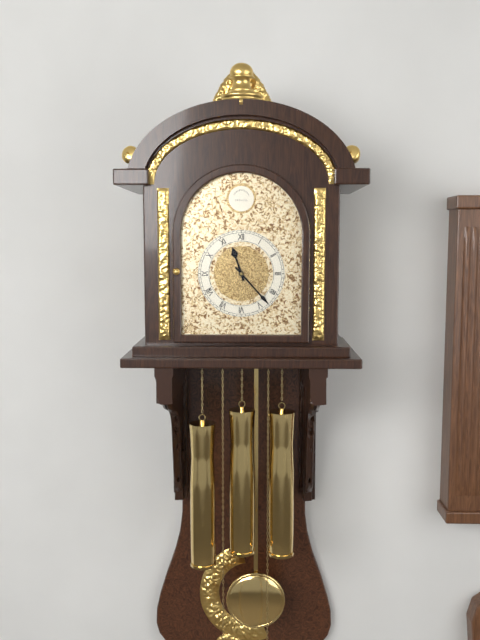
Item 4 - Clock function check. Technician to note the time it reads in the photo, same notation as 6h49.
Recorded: 11h23
